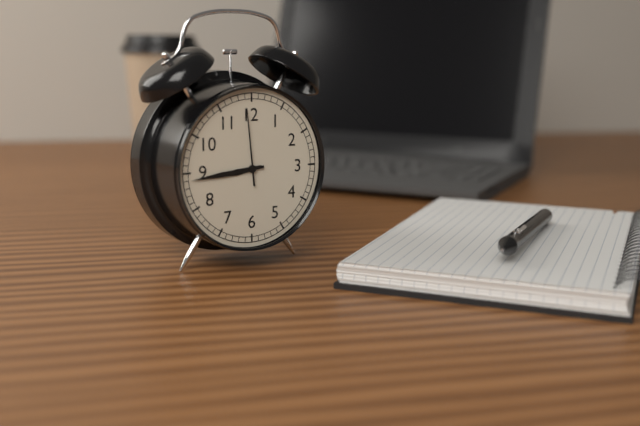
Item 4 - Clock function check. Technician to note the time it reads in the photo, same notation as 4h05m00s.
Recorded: 8h44m59s
